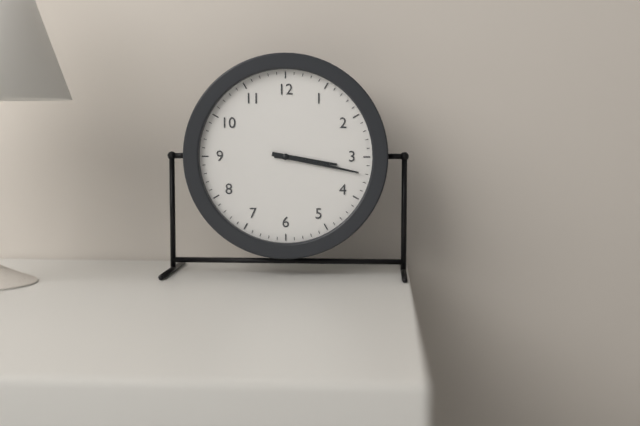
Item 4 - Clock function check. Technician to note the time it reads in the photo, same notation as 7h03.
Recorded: 3h17
